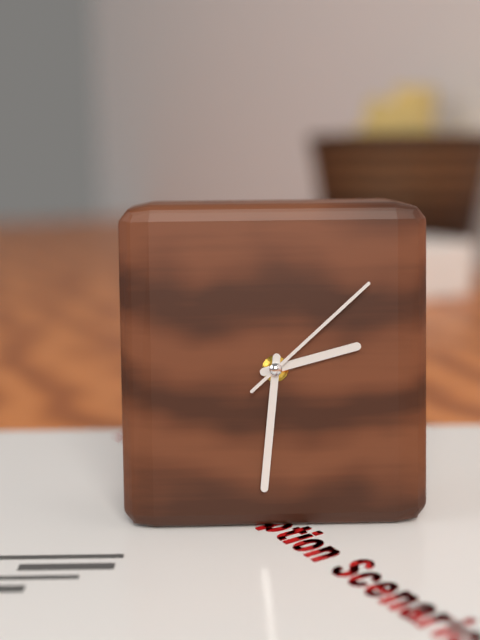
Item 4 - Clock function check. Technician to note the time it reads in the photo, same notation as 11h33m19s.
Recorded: 2h31m08s
